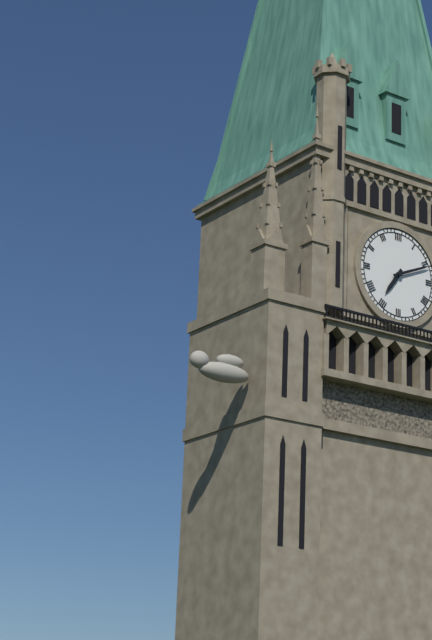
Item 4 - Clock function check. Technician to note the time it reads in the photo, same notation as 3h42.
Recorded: 7h11
